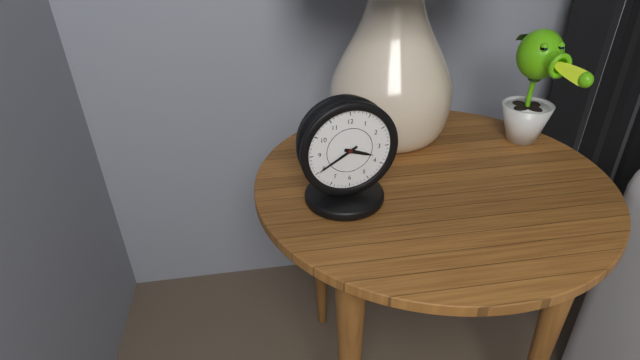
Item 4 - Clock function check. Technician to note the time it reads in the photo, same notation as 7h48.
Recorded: 3h40
